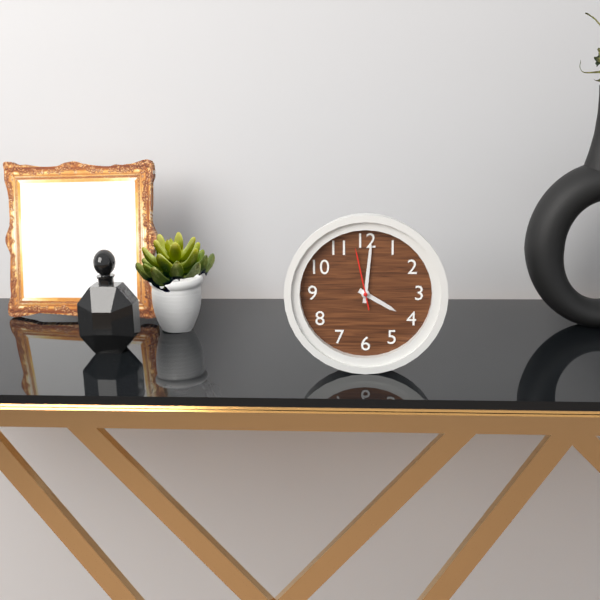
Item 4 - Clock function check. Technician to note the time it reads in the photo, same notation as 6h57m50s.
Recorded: 4h01m58s
